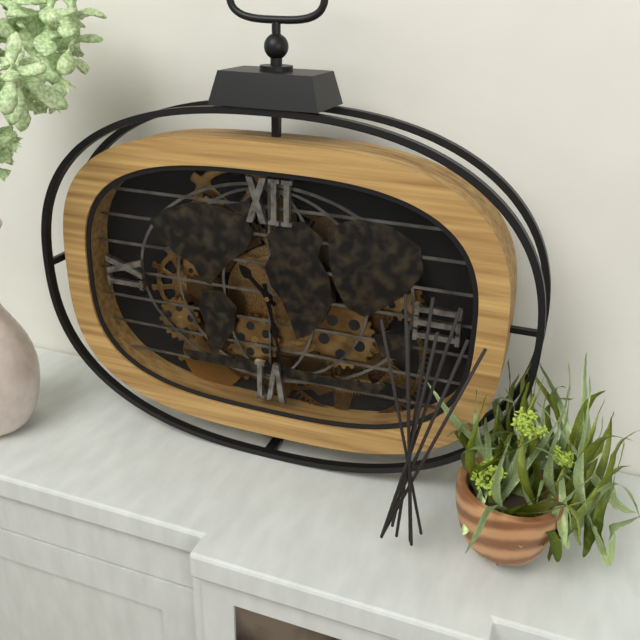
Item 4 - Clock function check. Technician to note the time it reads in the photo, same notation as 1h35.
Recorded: 10h28
